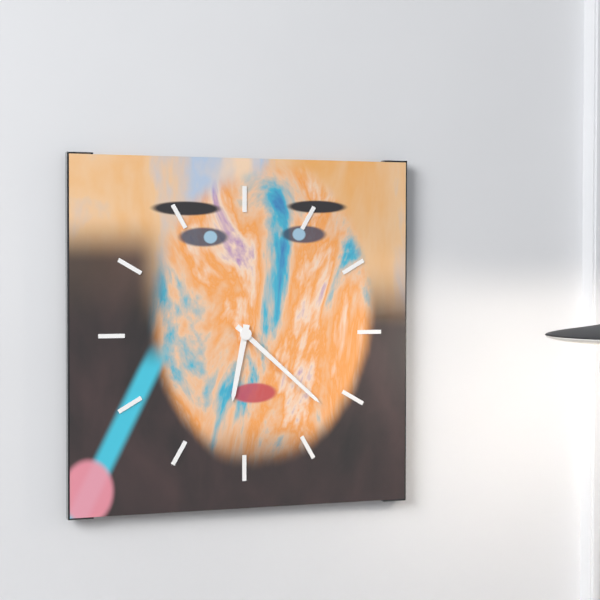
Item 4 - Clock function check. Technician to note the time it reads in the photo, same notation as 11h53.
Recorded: 6h22
